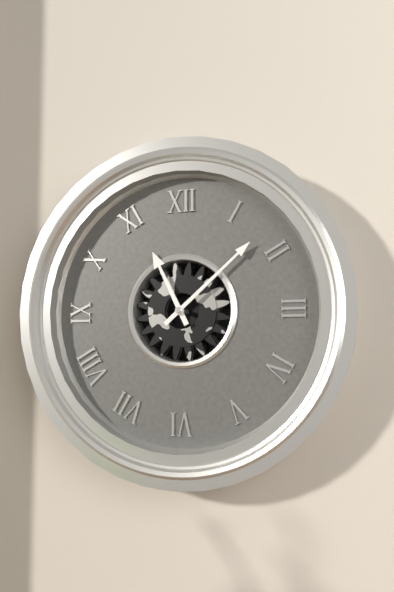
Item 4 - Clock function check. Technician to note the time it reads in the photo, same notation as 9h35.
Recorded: 11h08
